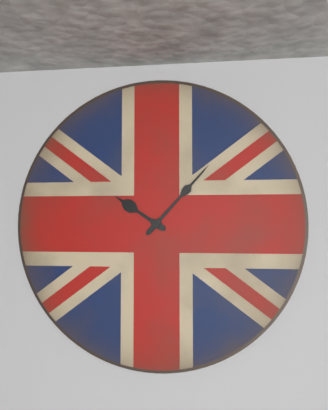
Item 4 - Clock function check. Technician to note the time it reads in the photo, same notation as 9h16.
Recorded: 10h07
